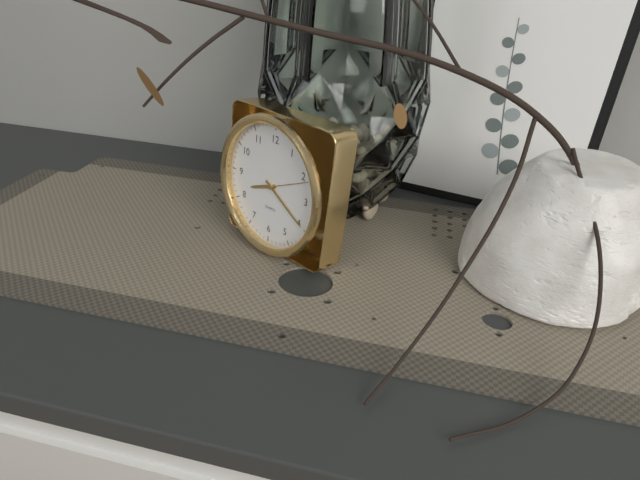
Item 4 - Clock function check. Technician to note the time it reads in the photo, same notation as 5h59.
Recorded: 8h20
